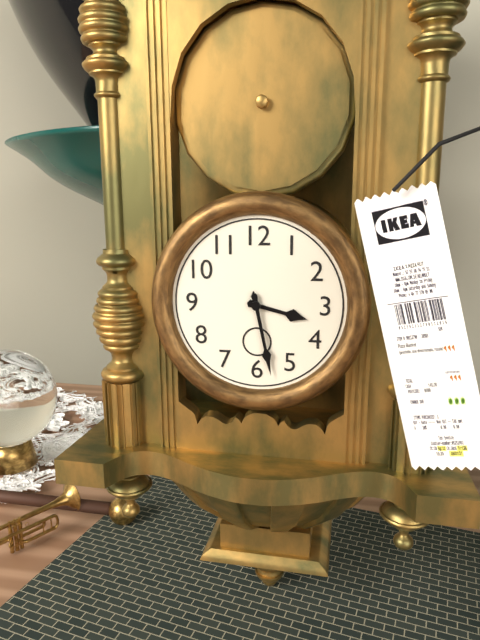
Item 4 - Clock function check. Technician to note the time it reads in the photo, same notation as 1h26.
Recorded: 3h28
